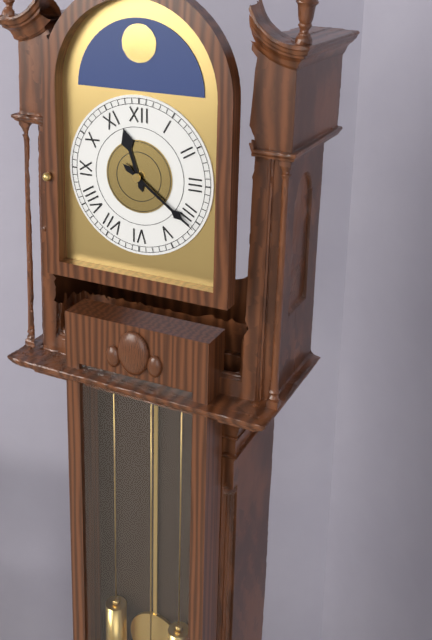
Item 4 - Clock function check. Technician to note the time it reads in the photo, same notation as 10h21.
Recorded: 11h21
